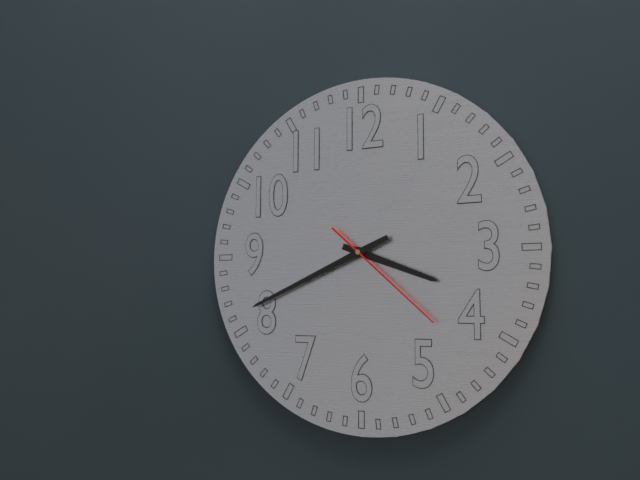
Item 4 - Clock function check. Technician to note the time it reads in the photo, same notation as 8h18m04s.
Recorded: 3h41m22s
